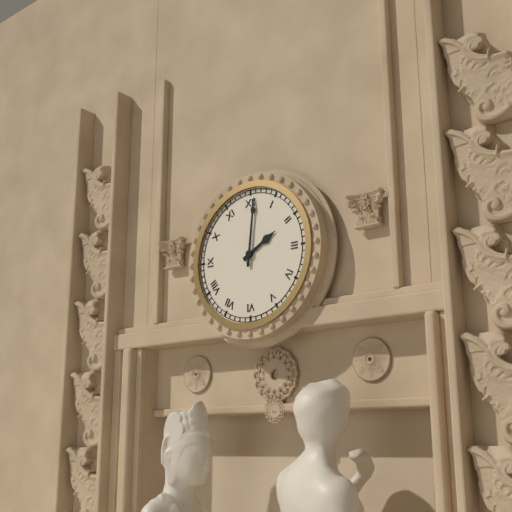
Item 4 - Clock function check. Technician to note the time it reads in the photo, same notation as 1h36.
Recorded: 2h01
